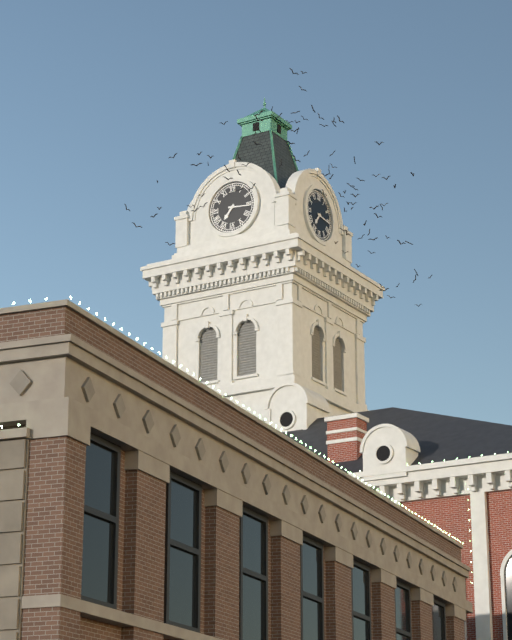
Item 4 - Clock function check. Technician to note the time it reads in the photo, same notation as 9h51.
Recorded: 7h16
